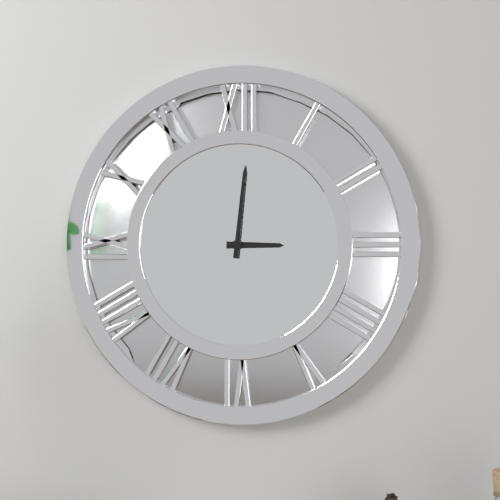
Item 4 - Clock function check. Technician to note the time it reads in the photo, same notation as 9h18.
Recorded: 3h01
